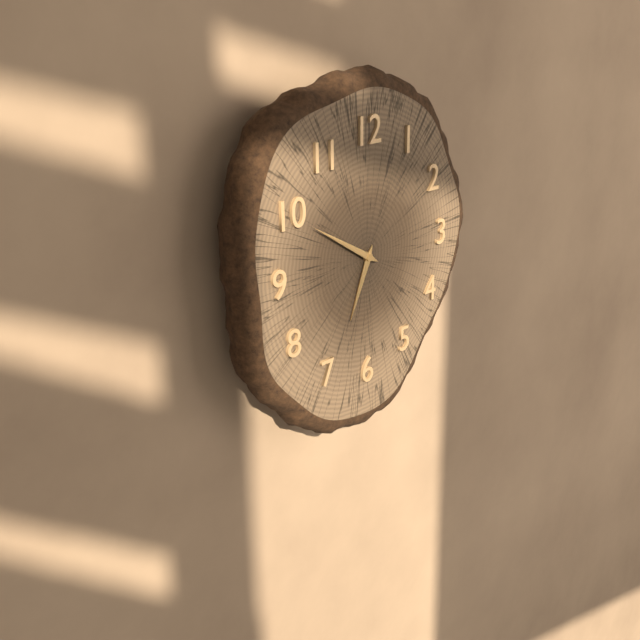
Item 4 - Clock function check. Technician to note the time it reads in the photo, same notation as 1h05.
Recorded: 6h50
